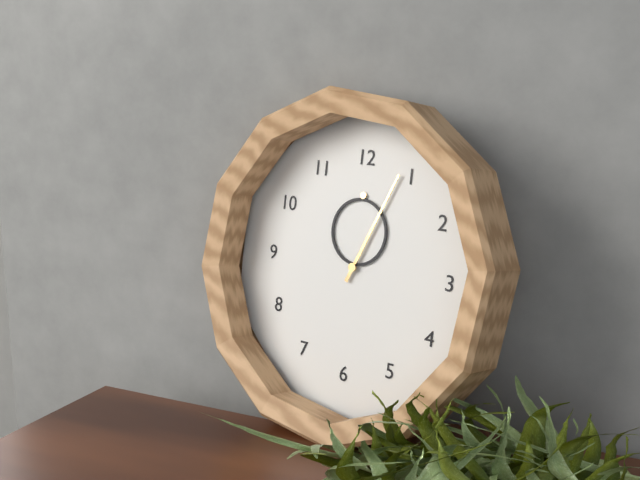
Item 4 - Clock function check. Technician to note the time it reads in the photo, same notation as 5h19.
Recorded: 12h04
